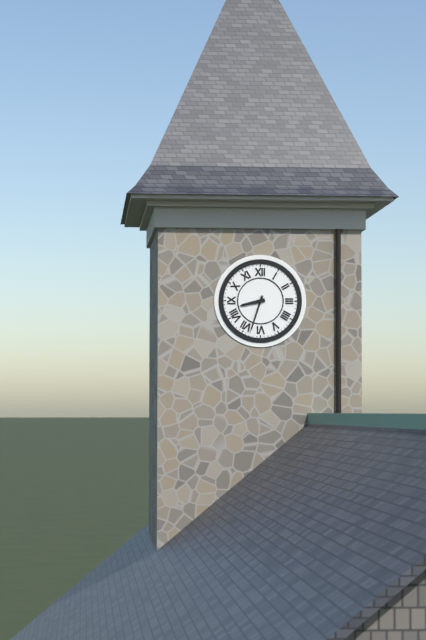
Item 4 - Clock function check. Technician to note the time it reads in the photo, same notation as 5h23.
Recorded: 8h33
